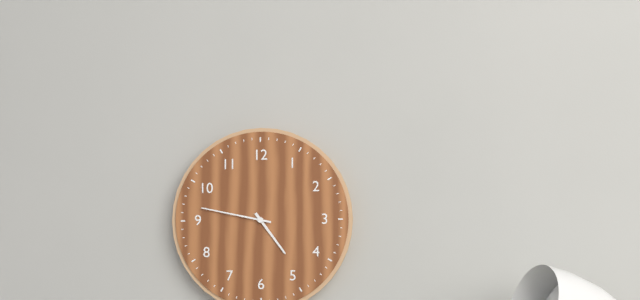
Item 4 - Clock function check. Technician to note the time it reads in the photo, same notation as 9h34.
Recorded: 4h47
